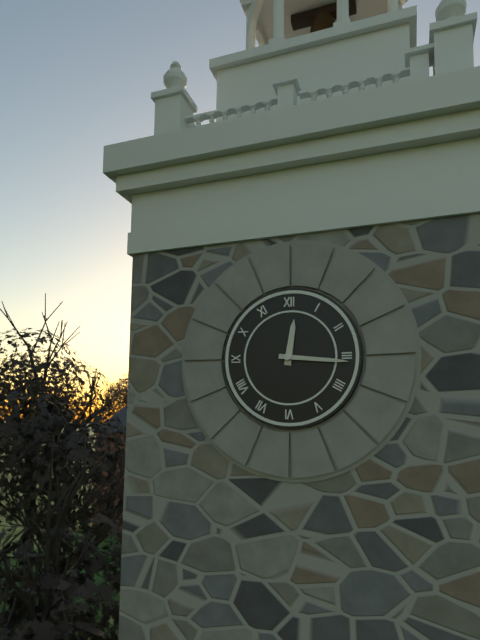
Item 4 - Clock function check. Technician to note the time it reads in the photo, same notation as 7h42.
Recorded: 12h16
